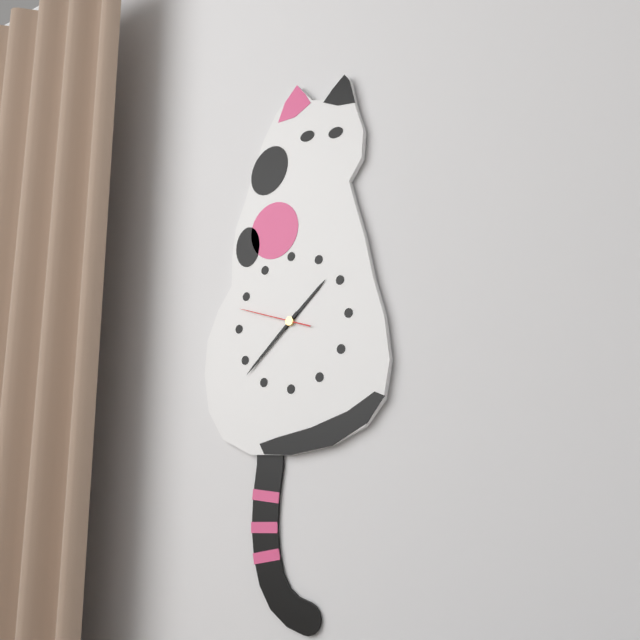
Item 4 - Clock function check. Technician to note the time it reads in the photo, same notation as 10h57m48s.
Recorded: 1h38m48s
